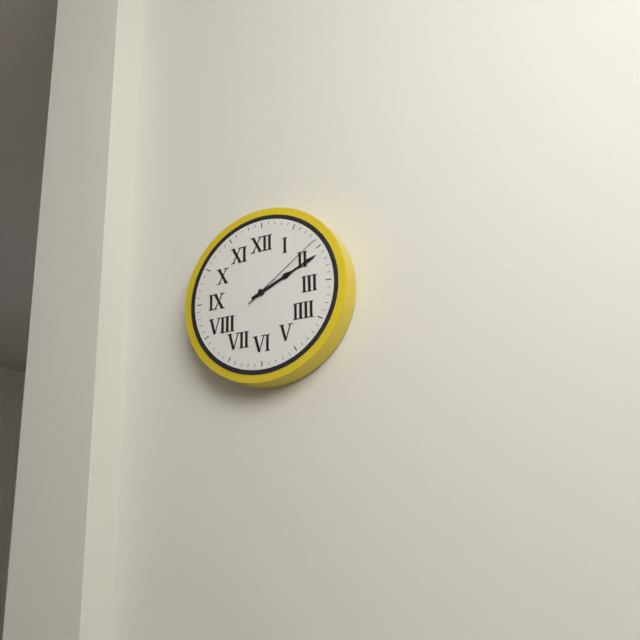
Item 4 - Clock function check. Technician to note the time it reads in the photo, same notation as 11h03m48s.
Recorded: 2h11m09s
